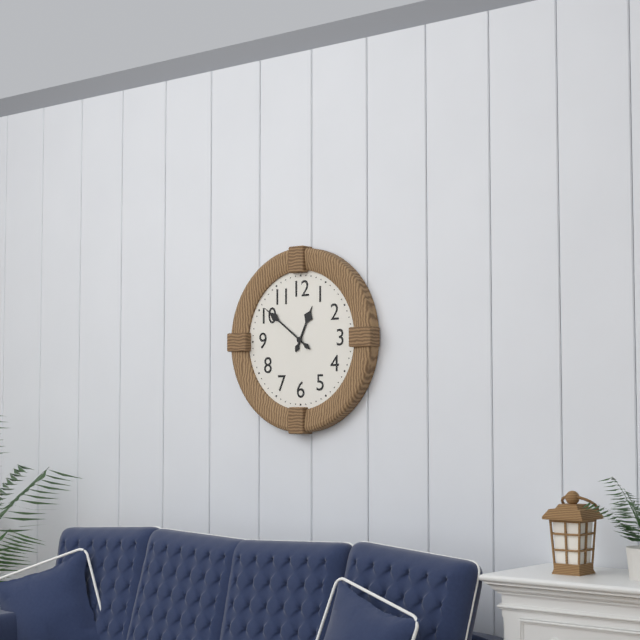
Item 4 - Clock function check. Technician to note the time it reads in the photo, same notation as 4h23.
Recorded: 12h51
